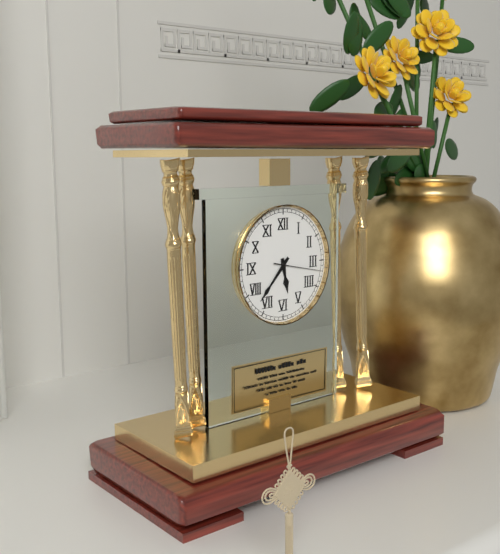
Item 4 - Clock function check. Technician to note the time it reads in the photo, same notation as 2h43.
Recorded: 5h37
